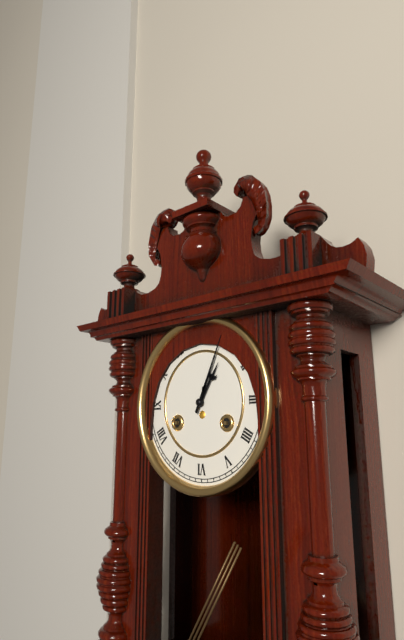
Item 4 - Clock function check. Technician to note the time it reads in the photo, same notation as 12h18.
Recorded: 1h04
